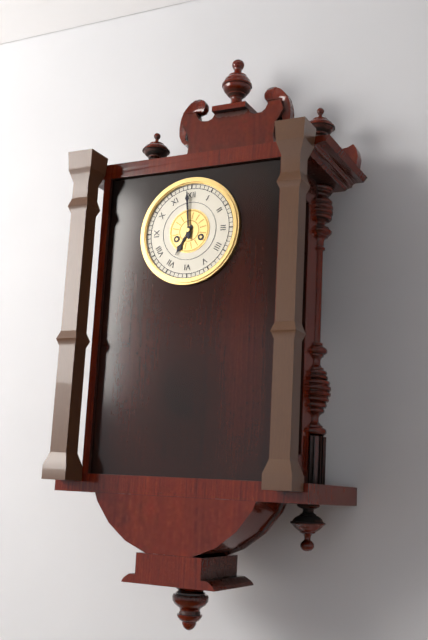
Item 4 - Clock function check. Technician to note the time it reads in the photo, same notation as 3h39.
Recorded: 6h59
